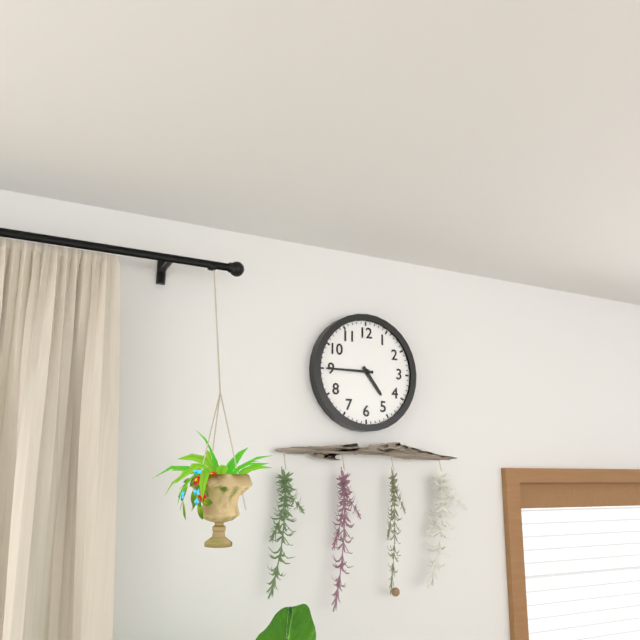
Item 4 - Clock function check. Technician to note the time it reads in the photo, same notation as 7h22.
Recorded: 4h45
